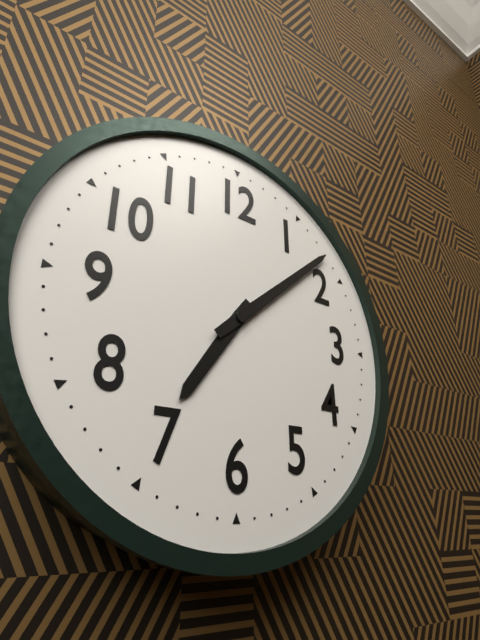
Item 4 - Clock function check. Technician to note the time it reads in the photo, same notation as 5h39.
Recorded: 7h08
